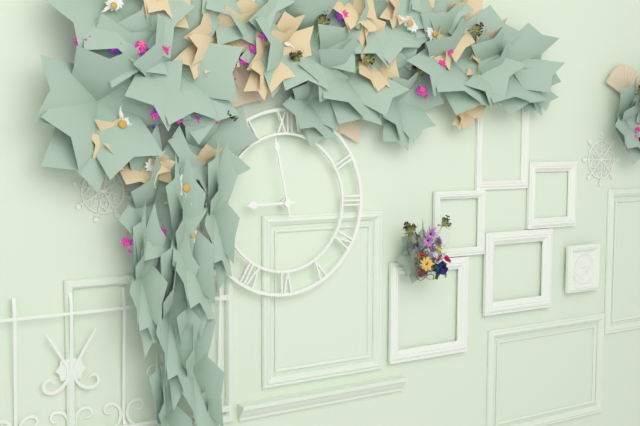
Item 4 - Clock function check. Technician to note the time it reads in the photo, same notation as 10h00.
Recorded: 8h58
